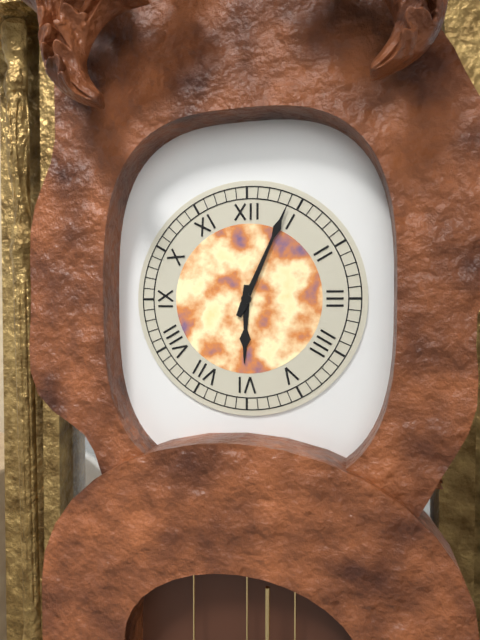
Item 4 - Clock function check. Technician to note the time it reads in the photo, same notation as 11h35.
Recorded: 6h04
